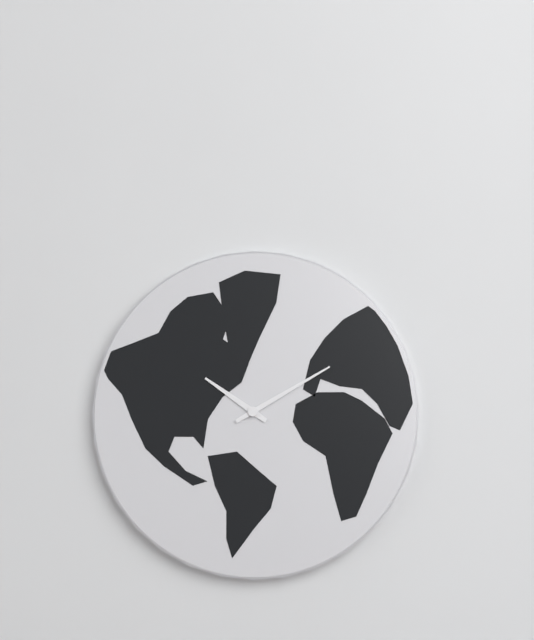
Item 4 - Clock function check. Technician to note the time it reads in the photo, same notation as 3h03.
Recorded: 10h10
